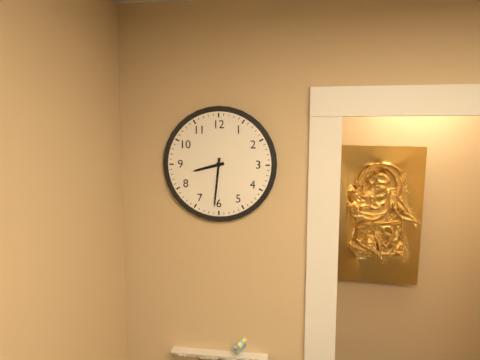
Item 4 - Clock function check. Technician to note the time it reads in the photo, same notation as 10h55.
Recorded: 8h31
